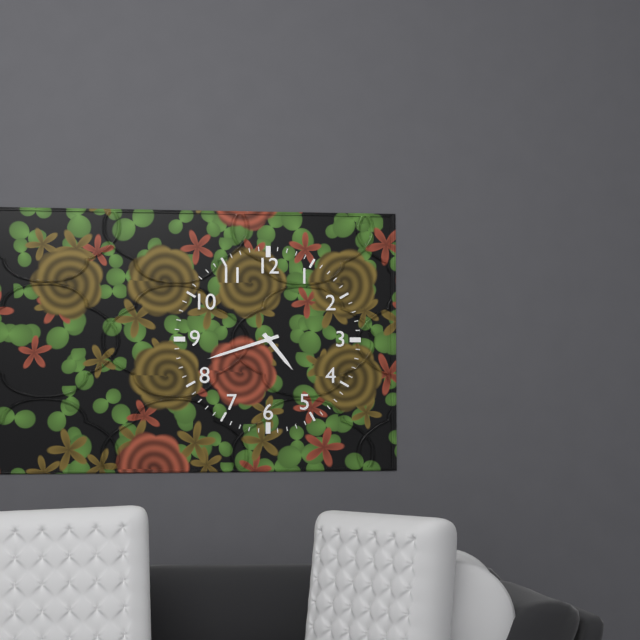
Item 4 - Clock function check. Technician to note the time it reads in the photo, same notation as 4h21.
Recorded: 4h42
